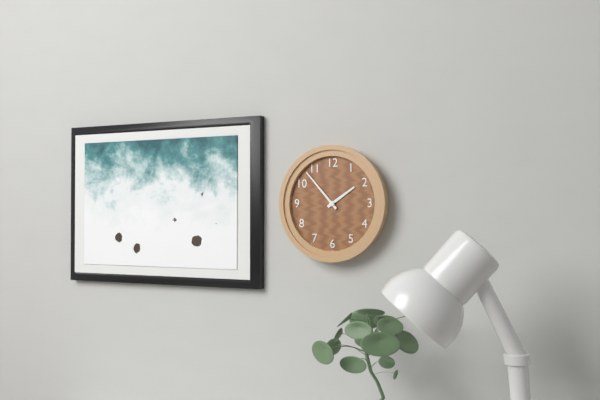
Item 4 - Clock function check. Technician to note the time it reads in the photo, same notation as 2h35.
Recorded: 1h53
